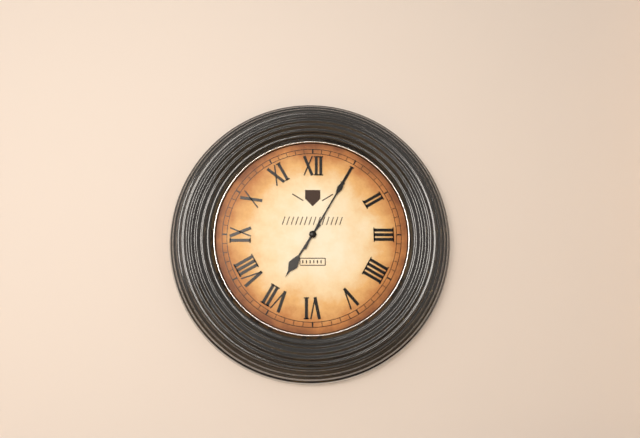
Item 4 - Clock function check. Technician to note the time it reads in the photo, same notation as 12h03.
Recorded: 7h05
